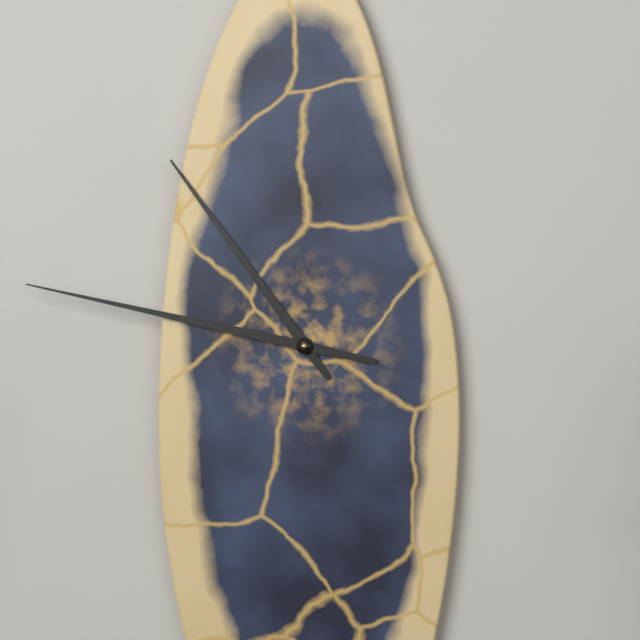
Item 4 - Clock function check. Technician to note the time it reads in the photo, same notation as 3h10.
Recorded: 10h47
